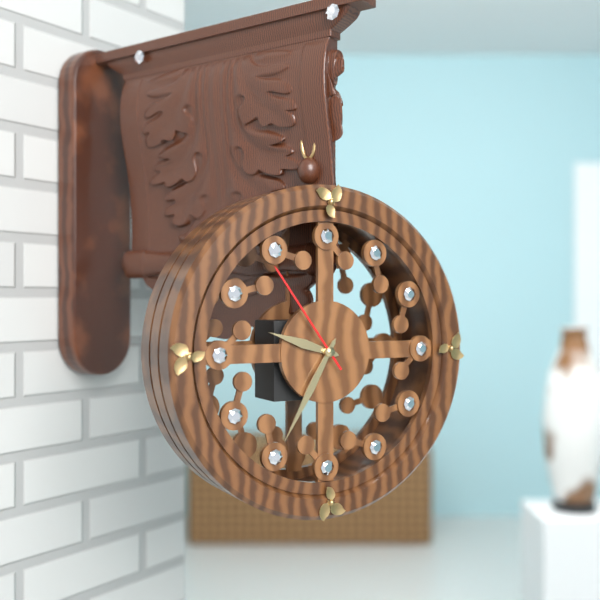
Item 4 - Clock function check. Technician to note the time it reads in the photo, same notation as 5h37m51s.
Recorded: 9h35m54s
